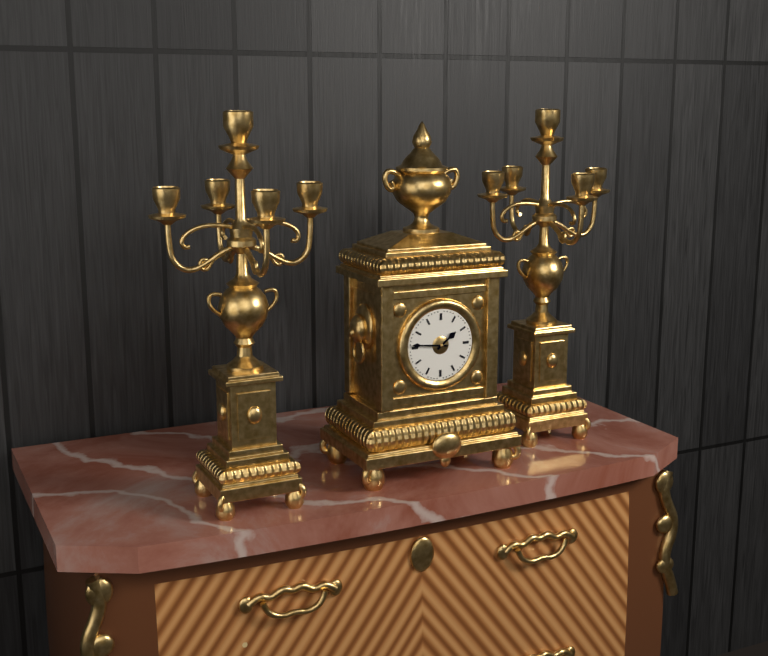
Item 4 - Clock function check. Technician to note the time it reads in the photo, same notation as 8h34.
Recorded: 1h46
